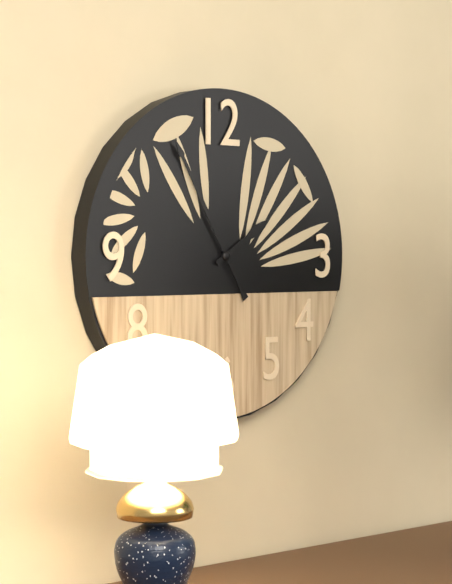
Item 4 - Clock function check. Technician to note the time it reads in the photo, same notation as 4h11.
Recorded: 1h55
